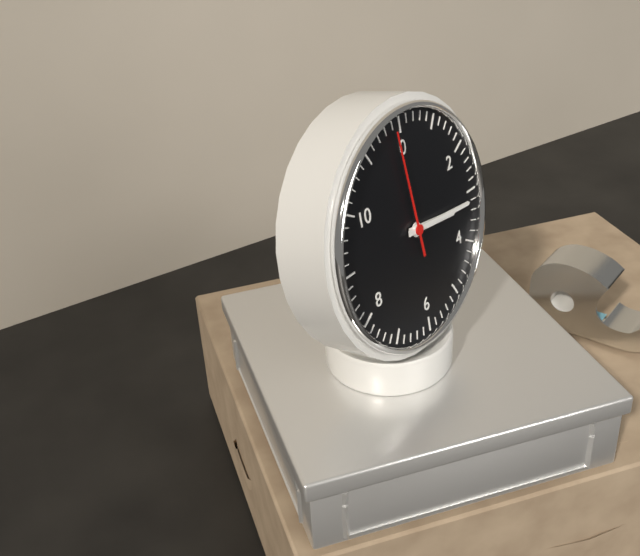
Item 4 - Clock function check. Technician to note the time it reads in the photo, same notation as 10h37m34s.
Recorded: 3h16m59s
